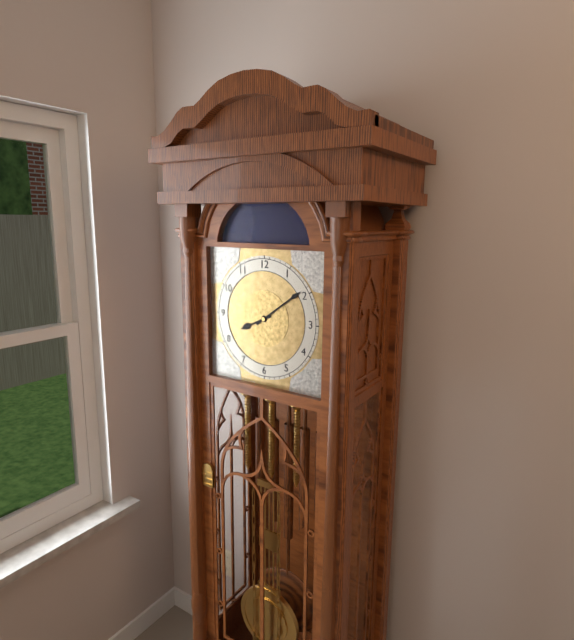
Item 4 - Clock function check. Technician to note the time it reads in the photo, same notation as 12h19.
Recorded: 8h09
